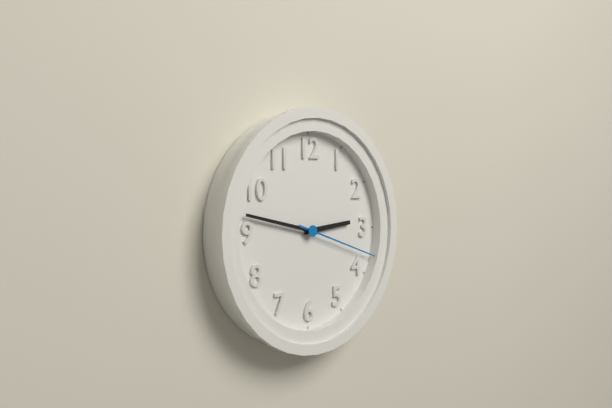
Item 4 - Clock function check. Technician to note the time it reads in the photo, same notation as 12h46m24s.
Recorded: 2h47m18s
